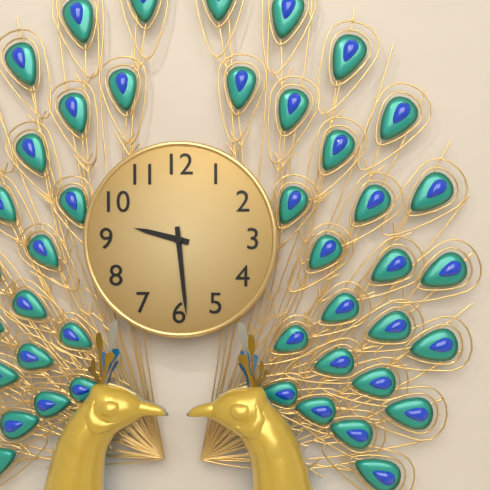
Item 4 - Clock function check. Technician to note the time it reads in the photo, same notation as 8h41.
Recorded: 9h29
